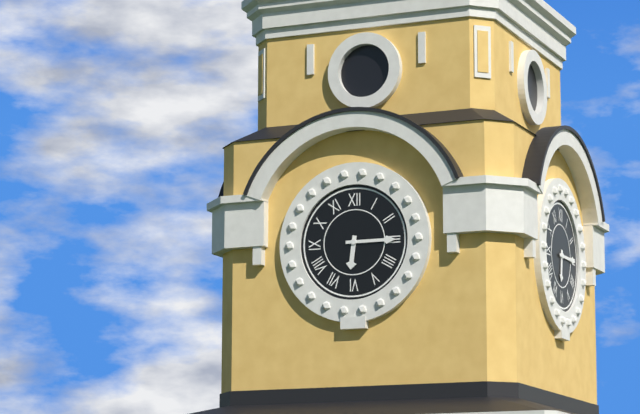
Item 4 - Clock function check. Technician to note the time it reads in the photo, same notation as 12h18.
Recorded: 6h15
